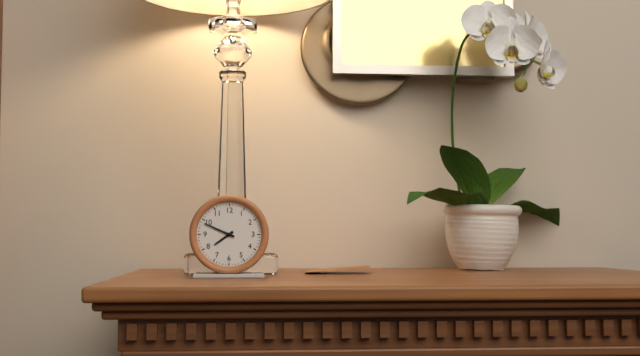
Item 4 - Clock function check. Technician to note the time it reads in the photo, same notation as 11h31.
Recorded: 7h49
